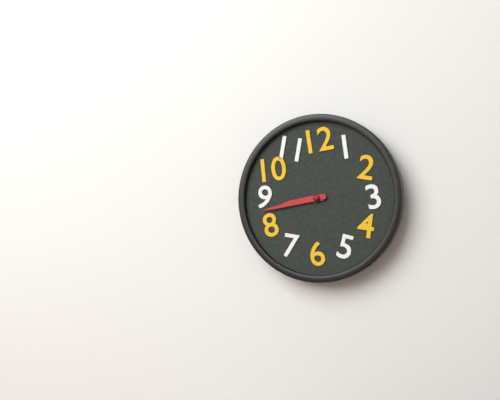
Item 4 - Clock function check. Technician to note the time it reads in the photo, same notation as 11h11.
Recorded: 8h43
